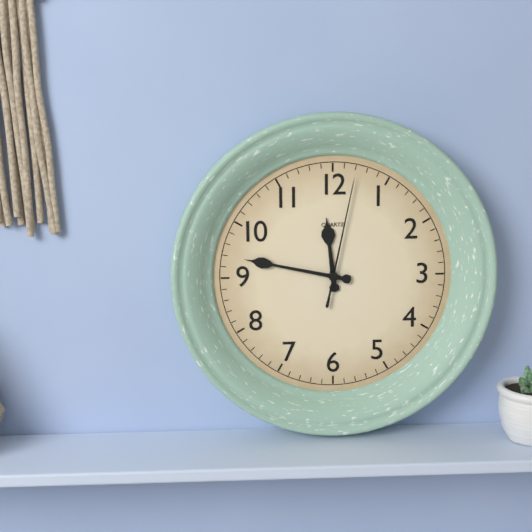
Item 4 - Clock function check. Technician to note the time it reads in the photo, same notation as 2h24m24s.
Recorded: 11h47m02s
